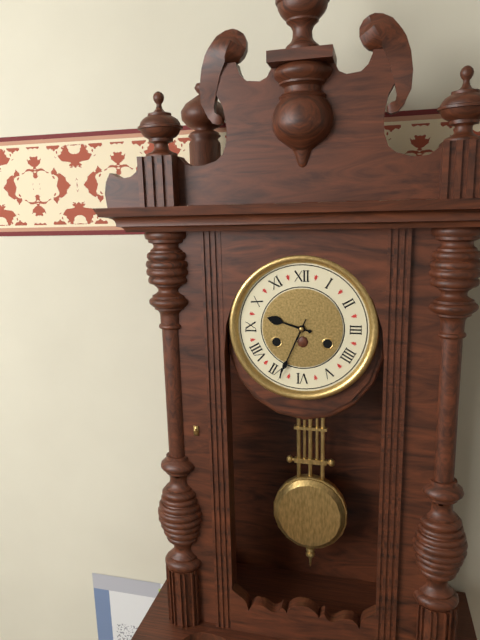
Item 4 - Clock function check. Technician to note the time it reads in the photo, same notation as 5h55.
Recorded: 9h34
